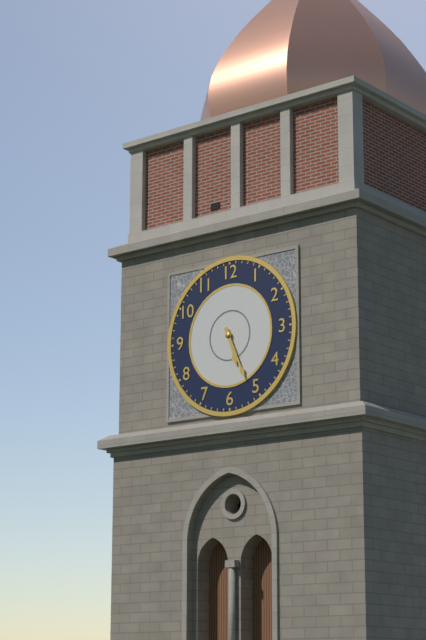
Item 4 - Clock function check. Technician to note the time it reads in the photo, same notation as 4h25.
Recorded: 5h26
